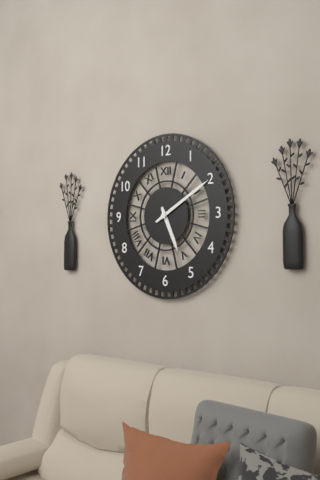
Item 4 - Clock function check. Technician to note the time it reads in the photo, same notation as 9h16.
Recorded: 5h10
